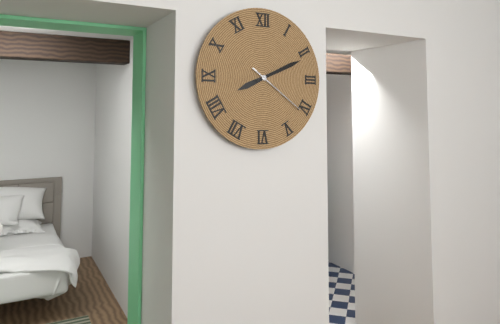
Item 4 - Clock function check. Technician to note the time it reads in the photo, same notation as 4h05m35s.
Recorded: 8h11m21s
